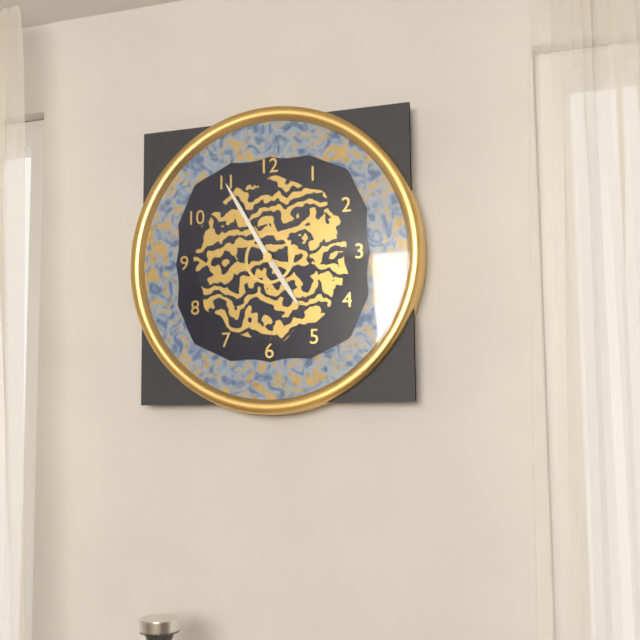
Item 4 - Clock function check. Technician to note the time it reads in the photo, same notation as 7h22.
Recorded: 4h55
